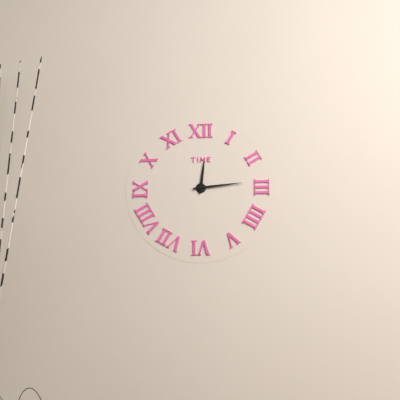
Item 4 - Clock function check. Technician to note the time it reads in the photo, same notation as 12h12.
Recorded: 12h14
